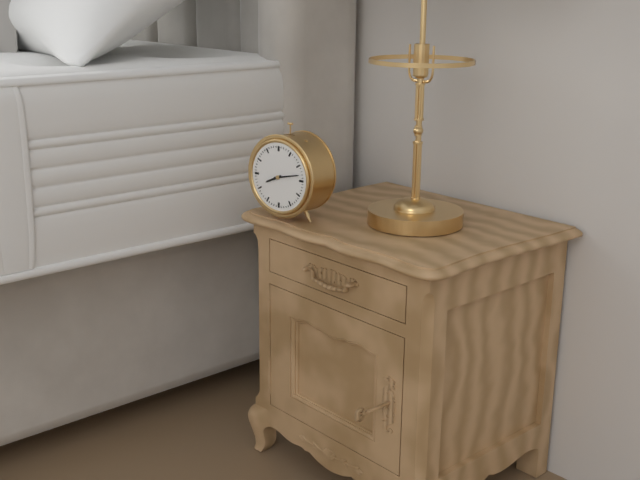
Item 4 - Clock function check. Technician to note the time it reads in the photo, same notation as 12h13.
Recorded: 8h13
